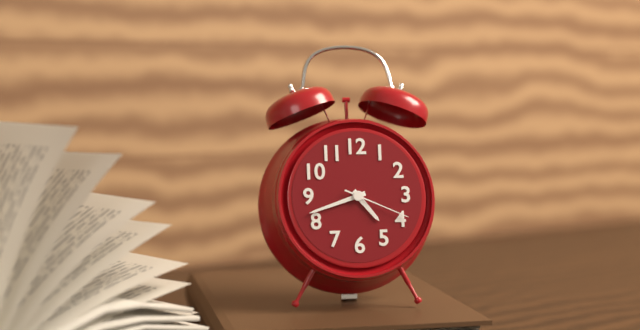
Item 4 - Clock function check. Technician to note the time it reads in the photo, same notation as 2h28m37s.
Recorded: 4h42m19s
